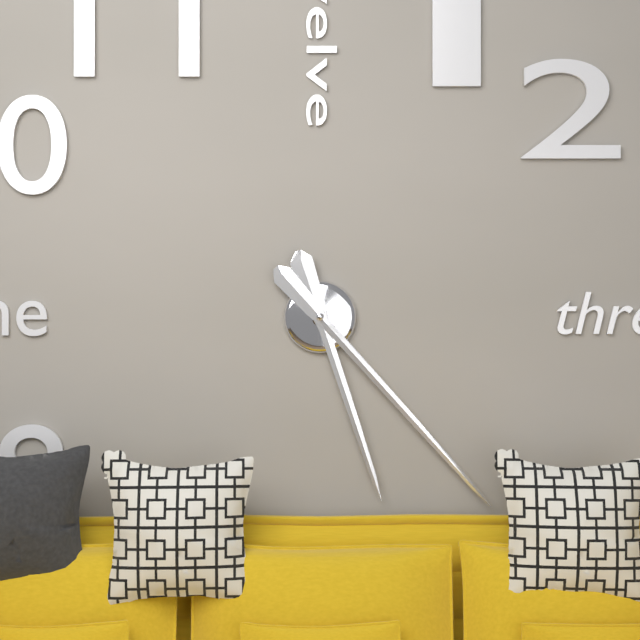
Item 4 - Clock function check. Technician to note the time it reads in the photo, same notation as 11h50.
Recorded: 5h23
